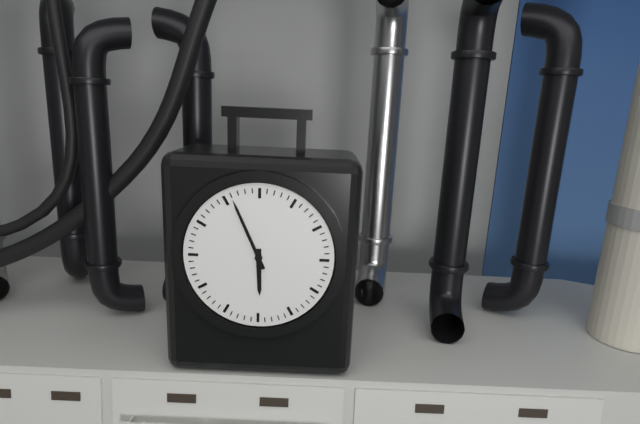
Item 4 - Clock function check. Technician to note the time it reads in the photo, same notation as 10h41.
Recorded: 5h56
